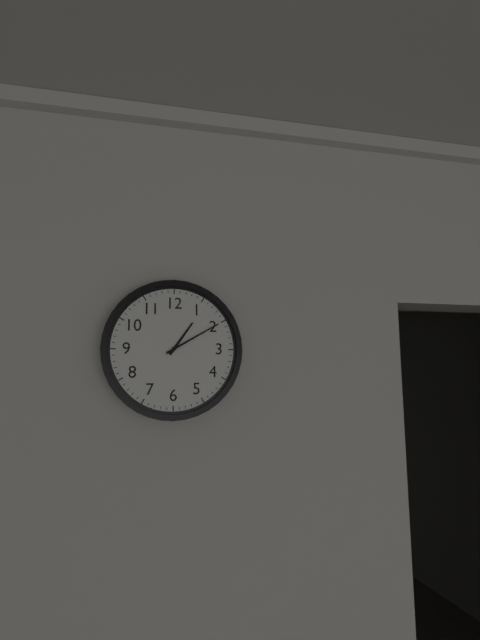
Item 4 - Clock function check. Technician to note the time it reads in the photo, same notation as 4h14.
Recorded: 1h10
